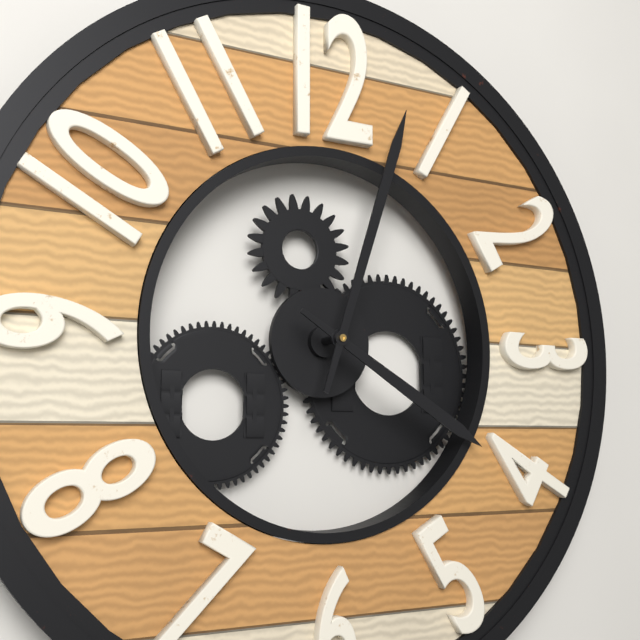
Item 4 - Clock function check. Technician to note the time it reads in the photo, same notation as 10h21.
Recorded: 4h03
